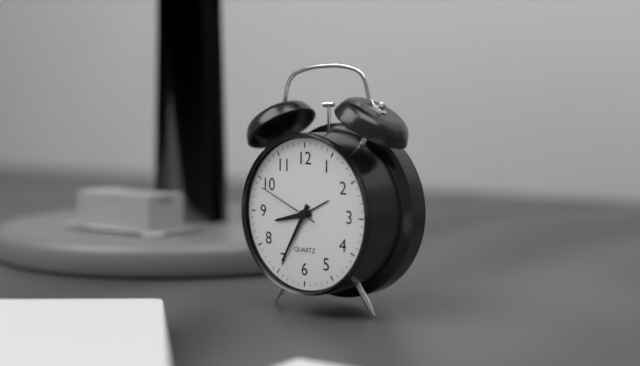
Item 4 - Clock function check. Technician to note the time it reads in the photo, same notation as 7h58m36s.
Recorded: 8h35m49s
